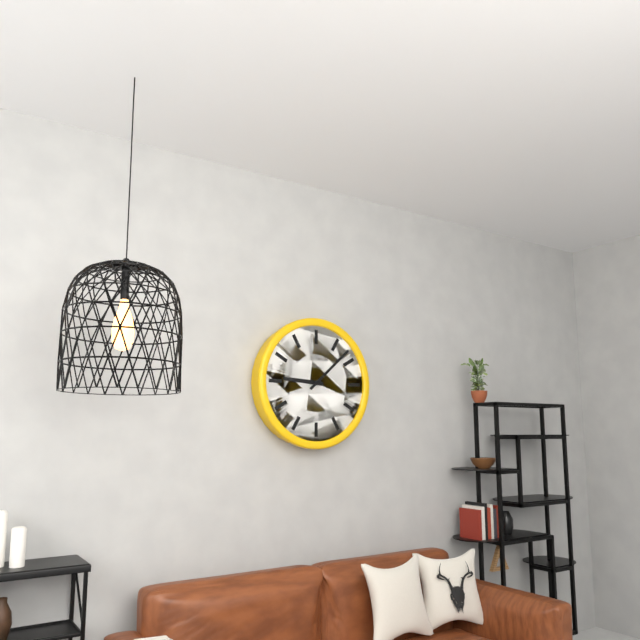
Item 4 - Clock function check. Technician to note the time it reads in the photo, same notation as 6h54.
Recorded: 9h08
